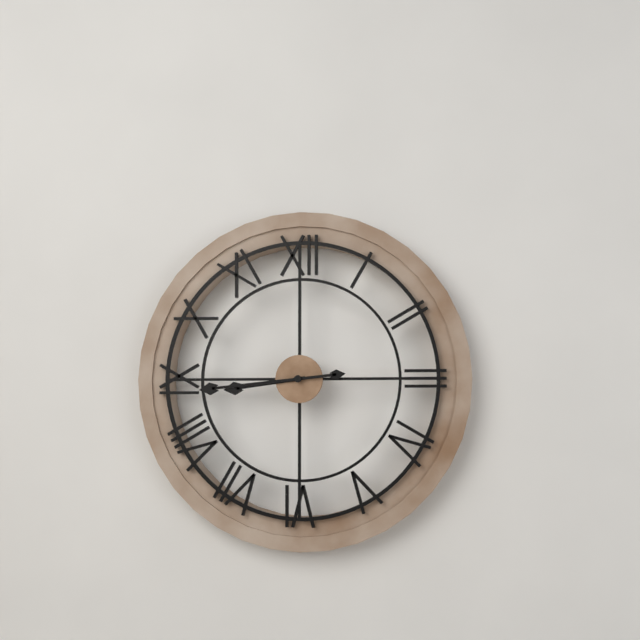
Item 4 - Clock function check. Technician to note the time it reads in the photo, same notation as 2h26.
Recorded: 8h44
